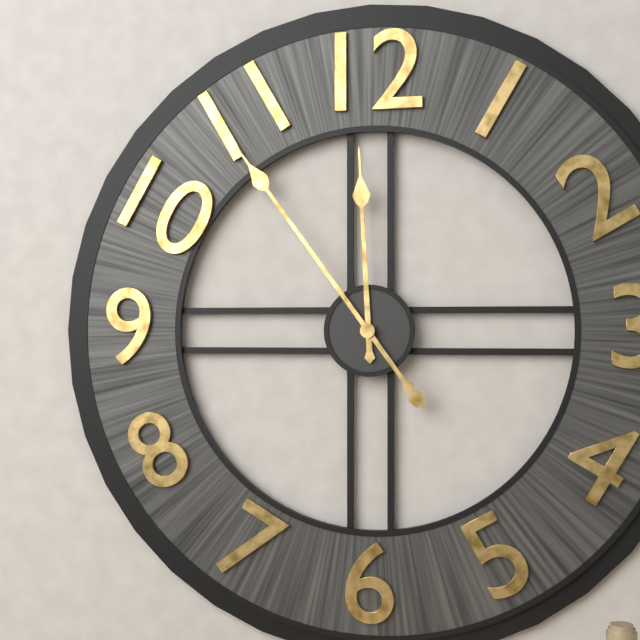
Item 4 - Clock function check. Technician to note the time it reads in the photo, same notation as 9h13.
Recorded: 11h54
